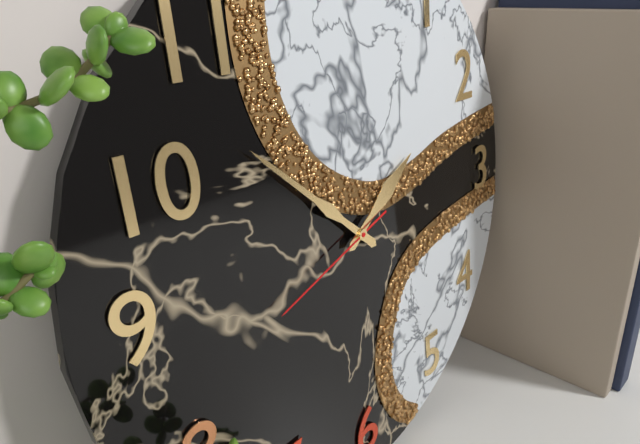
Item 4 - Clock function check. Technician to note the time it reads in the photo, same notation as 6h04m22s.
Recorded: 1h52m42s
